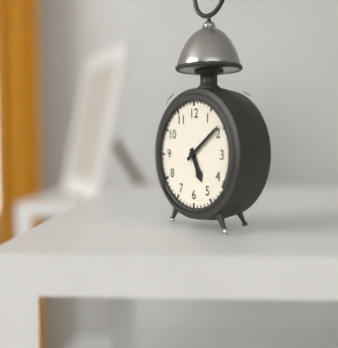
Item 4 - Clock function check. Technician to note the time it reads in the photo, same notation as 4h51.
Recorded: 5h09
